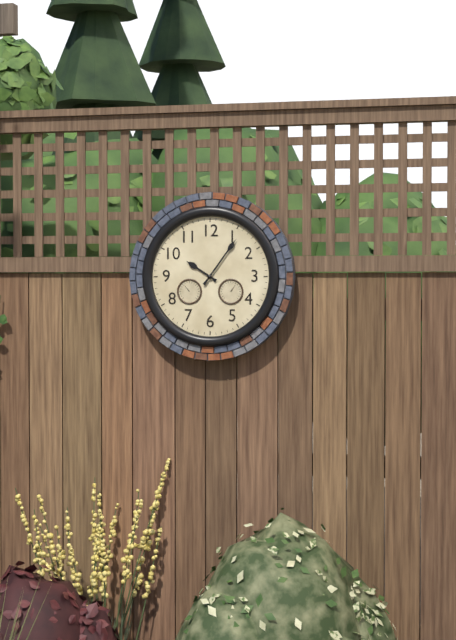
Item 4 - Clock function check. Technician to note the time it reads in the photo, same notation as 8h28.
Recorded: 10h06
